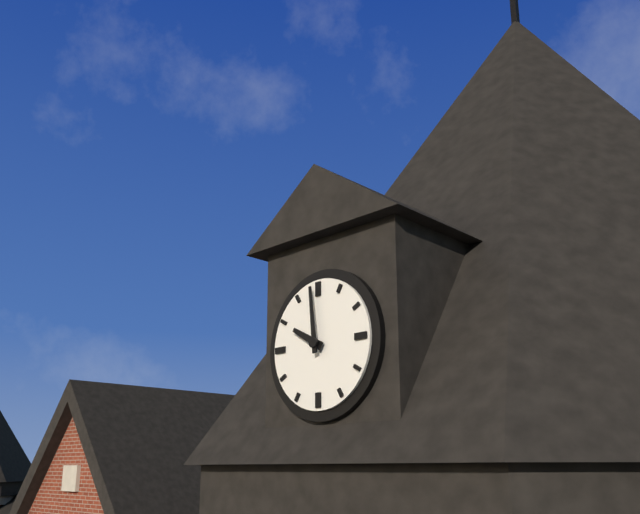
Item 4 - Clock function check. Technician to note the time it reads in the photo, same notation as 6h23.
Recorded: 9h59
